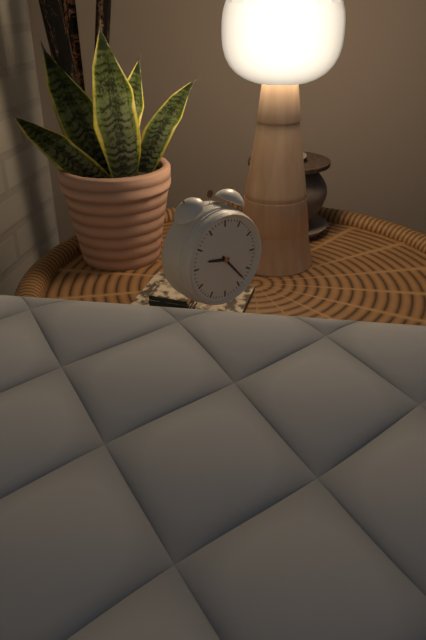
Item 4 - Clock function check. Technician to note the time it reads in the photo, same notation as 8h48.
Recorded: 9h23
